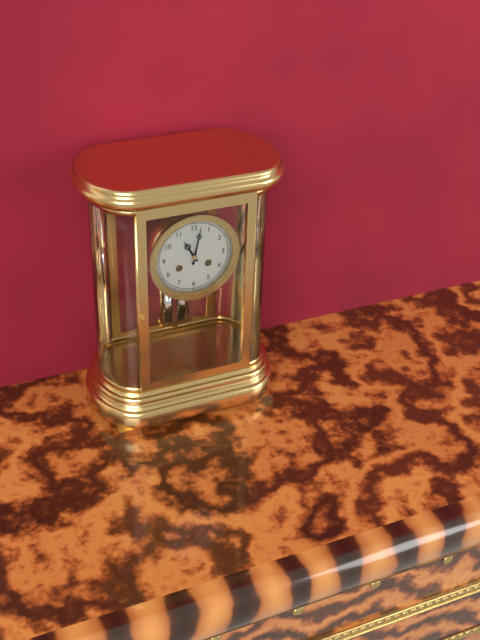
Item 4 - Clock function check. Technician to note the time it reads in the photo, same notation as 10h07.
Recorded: 11h02
